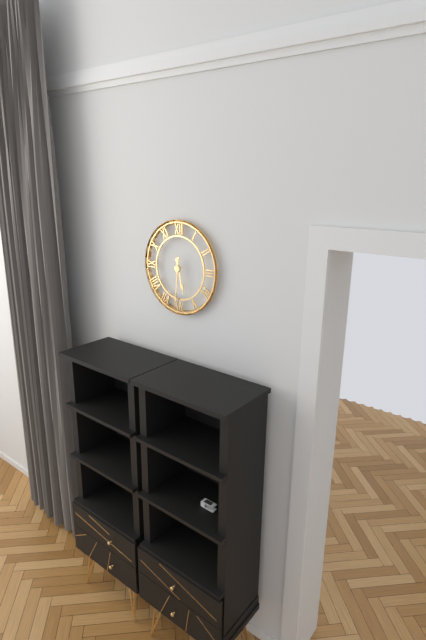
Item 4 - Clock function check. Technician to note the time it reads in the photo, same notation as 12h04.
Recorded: 5h31
